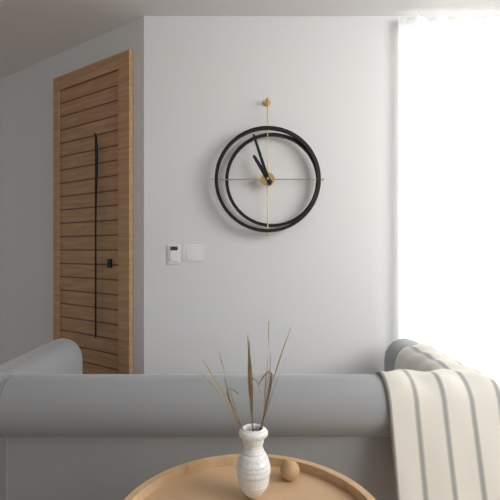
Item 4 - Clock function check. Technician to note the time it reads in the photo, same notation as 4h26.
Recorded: 10h57
